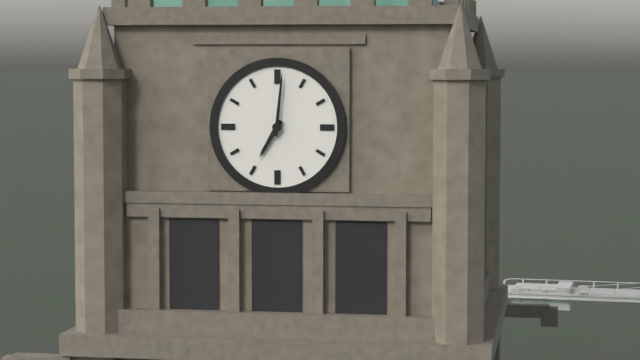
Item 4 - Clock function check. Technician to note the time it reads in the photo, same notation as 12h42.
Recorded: 7h01
